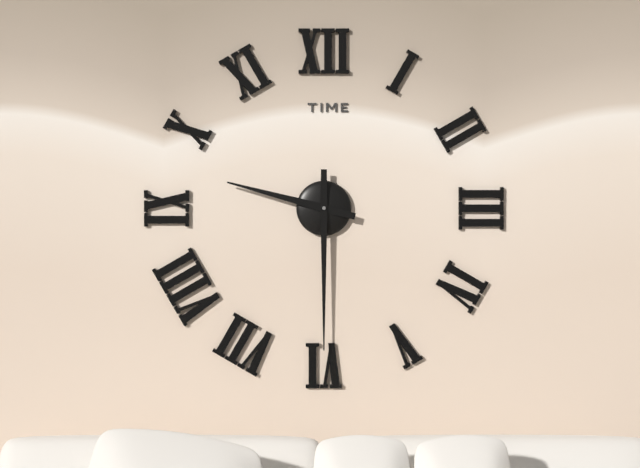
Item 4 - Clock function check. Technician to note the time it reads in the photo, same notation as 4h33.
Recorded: 9h30
